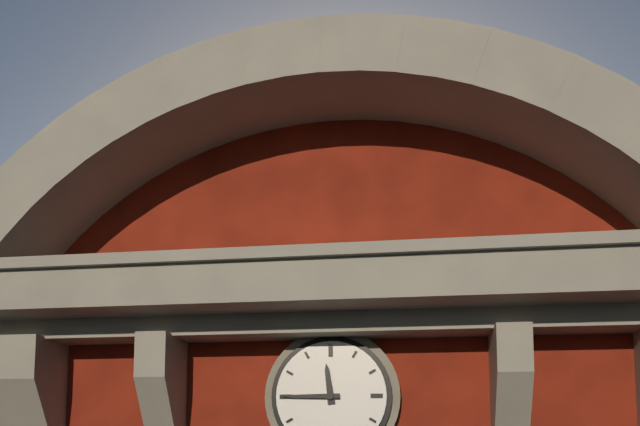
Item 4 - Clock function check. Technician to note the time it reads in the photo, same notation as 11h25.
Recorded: 11h45
